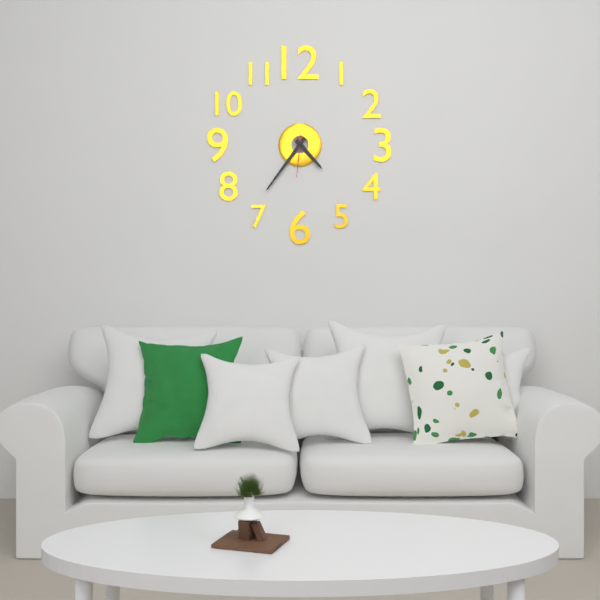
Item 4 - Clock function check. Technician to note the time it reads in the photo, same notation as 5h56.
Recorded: 4h36
